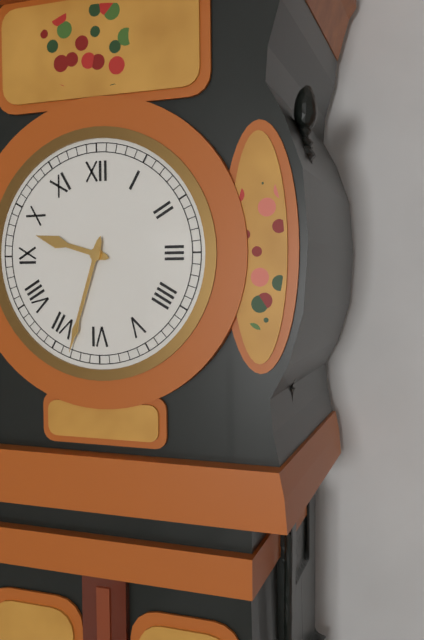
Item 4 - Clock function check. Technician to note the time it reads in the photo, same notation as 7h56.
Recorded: 9h33
